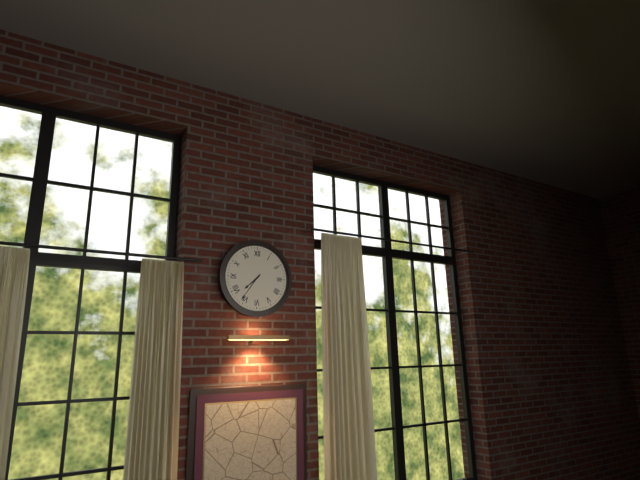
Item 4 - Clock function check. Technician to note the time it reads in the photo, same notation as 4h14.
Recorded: 7h36
